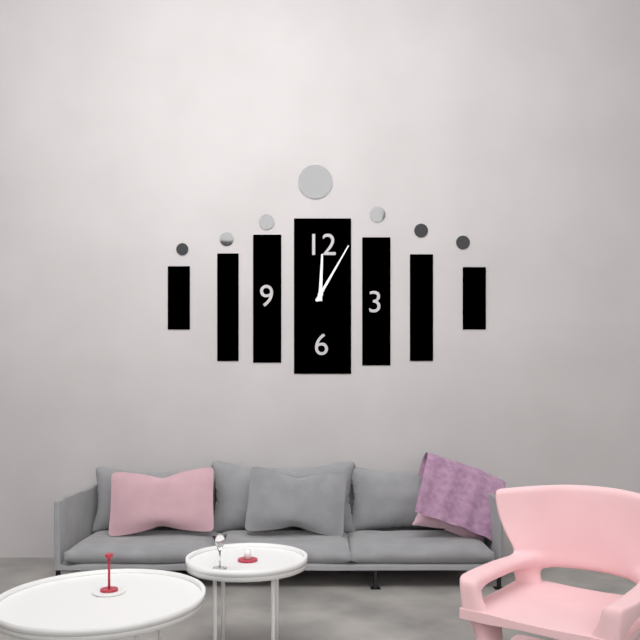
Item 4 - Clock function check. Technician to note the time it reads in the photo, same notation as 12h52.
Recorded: 12h05
